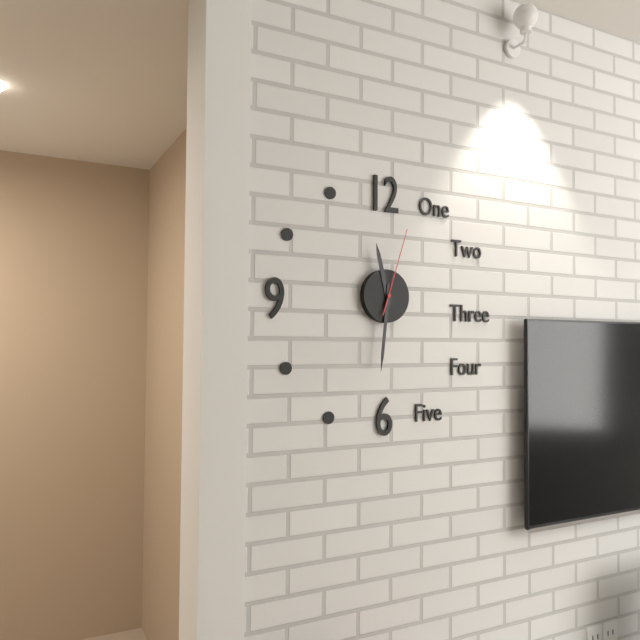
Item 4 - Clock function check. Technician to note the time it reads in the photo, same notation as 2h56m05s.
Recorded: 11h31m03s
